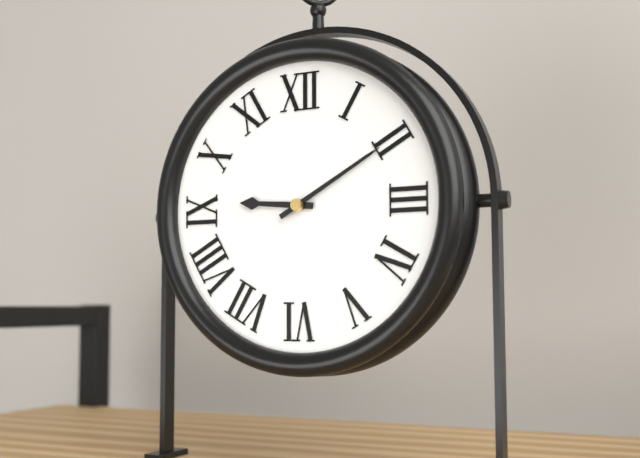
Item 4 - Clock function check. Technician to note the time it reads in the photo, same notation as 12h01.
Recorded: 9h10
